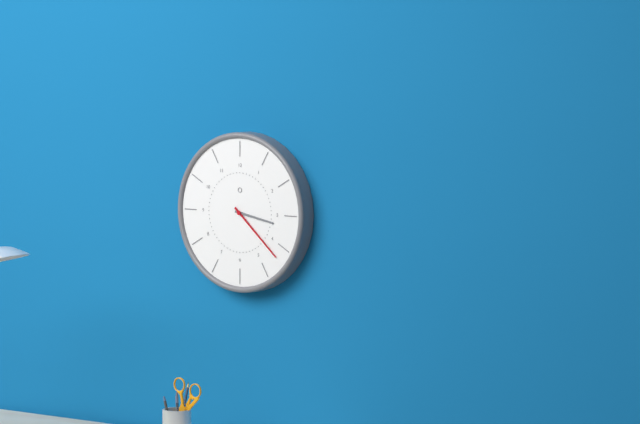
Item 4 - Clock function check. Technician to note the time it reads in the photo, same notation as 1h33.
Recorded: 3h22
